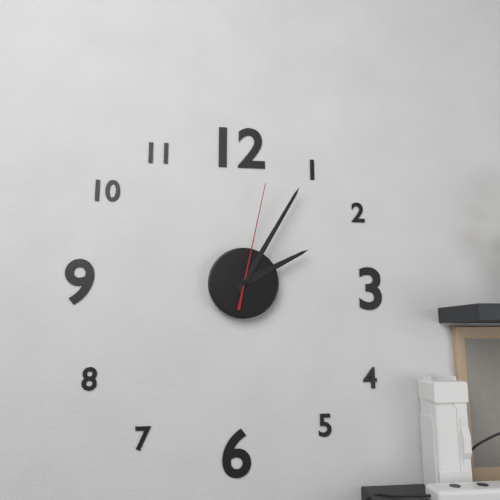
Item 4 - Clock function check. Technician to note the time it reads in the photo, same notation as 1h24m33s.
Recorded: 2h05m02s
